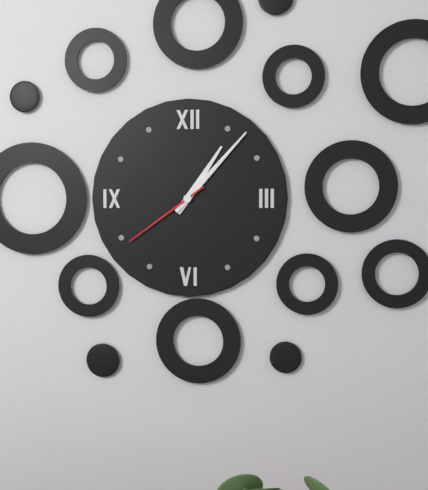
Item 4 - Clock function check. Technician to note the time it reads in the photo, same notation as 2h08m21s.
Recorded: 1h07m39s
